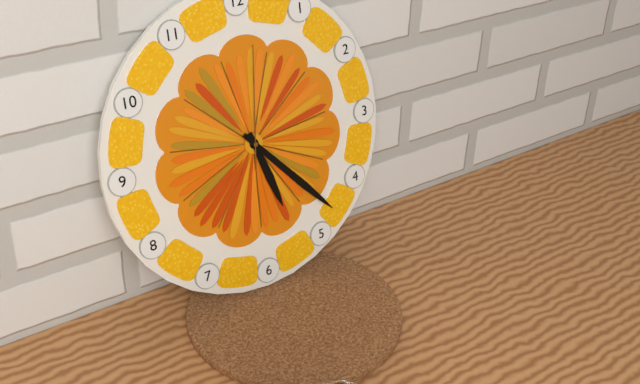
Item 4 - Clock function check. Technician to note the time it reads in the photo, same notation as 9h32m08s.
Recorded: 5h23m01s
